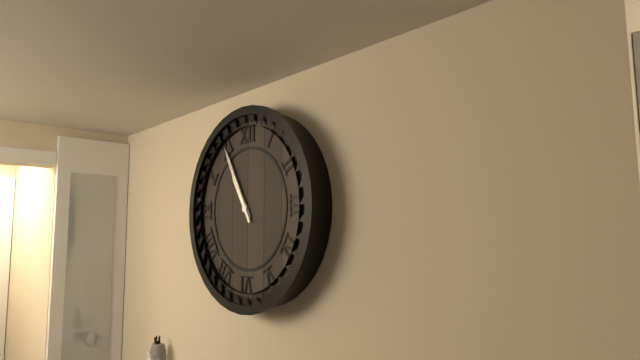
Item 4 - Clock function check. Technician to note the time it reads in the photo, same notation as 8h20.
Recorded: 10h55
